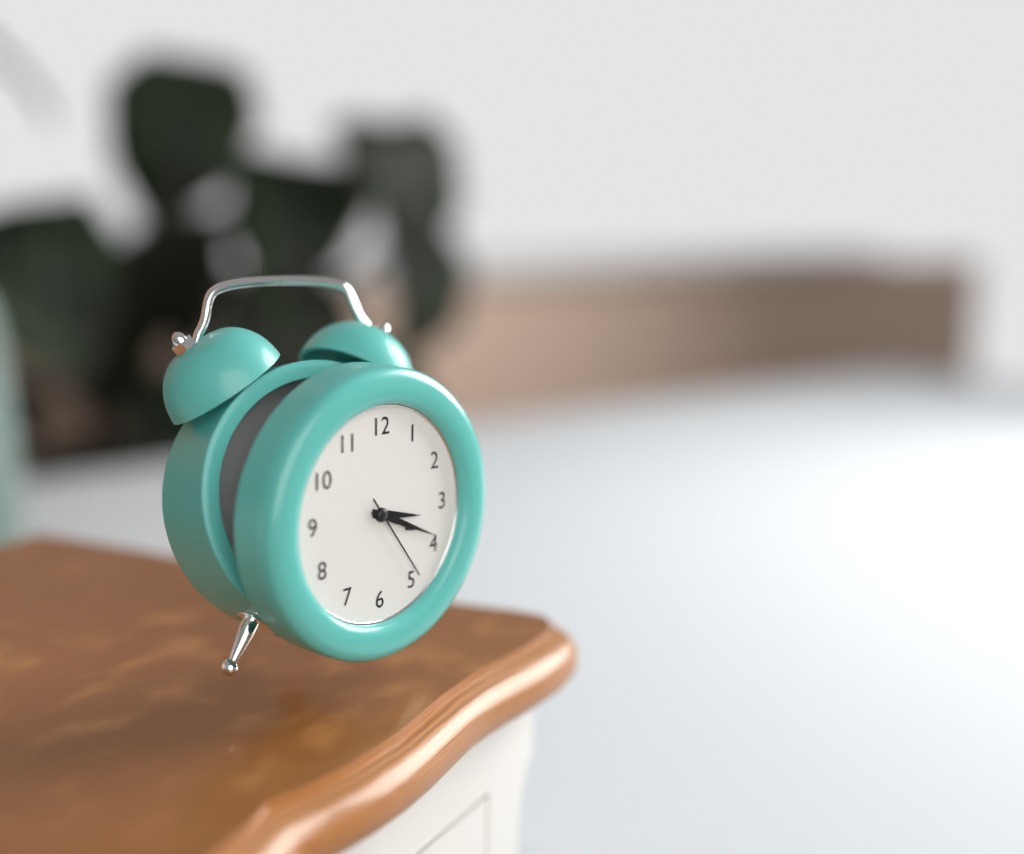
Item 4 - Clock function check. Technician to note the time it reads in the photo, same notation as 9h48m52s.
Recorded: 3h19m24s
